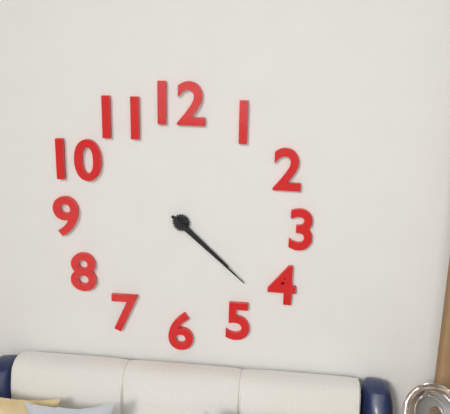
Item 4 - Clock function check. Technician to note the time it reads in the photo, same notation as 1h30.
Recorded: 4h22
